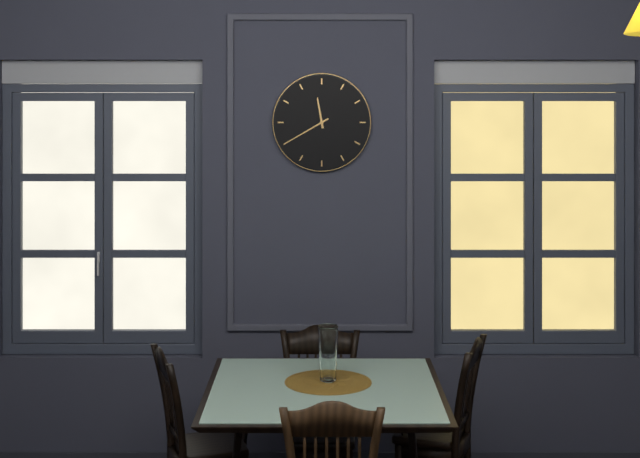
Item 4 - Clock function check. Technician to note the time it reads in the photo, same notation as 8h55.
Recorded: 11h40
